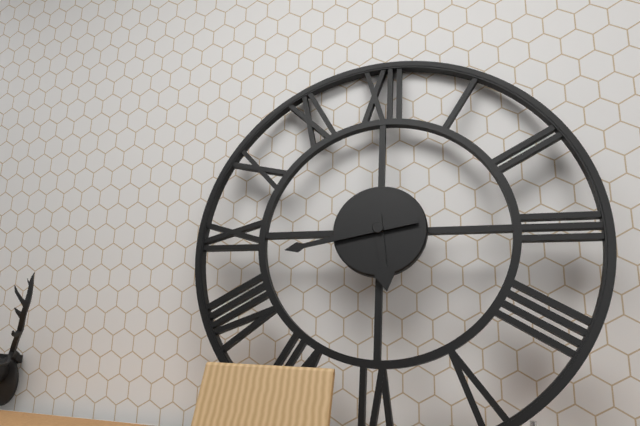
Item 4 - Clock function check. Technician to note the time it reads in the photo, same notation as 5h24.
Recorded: 5h43
